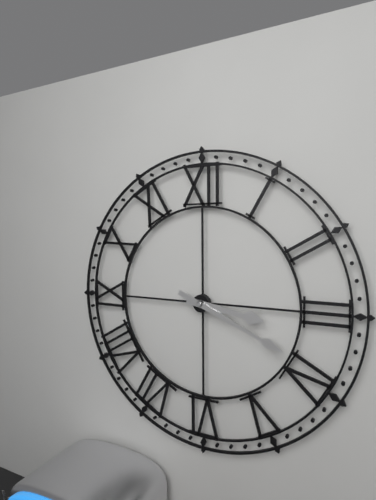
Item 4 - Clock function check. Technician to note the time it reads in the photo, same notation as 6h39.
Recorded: 3h19
